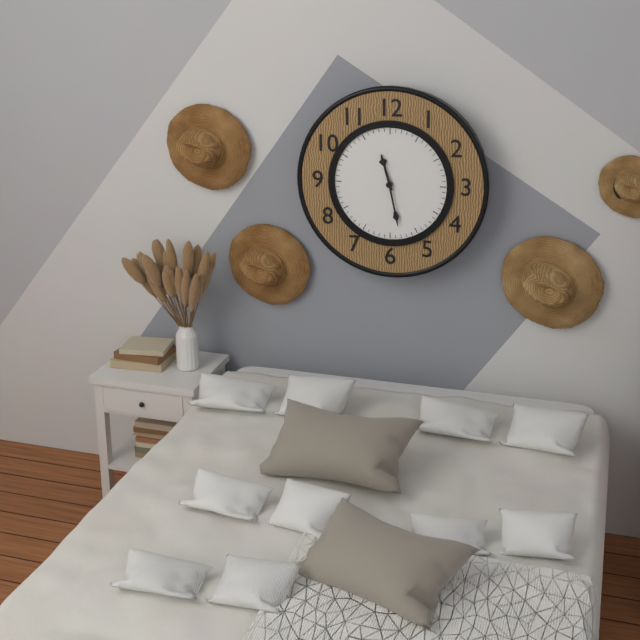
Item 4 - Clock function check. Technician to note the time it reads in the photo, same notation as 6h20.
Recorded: 11h28
